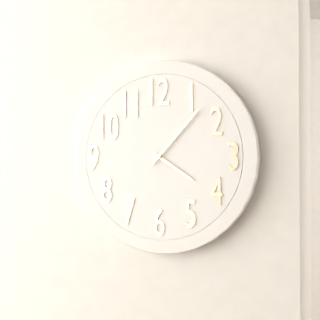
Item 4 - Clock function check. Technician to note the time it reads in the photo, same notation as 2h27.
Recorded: 4h07
